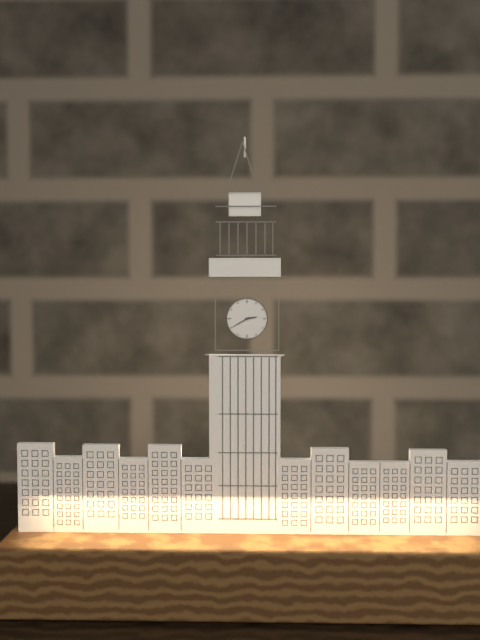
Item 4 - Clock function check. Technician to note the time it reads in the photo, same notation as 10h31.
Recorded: 2h40
